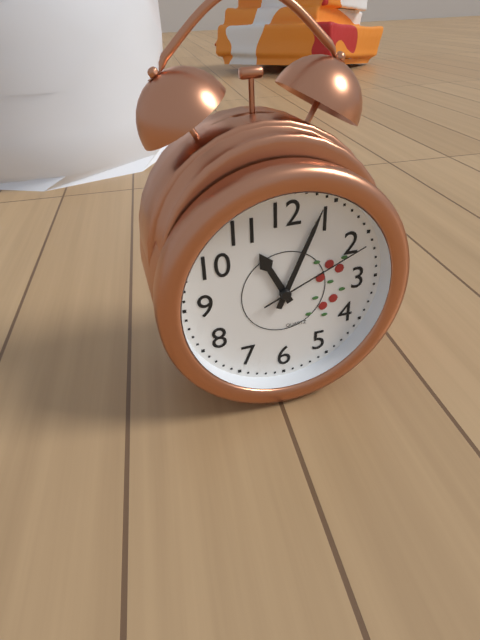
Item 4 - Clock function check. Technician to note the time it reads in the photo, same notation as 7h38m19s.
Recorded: 11h04m11s
